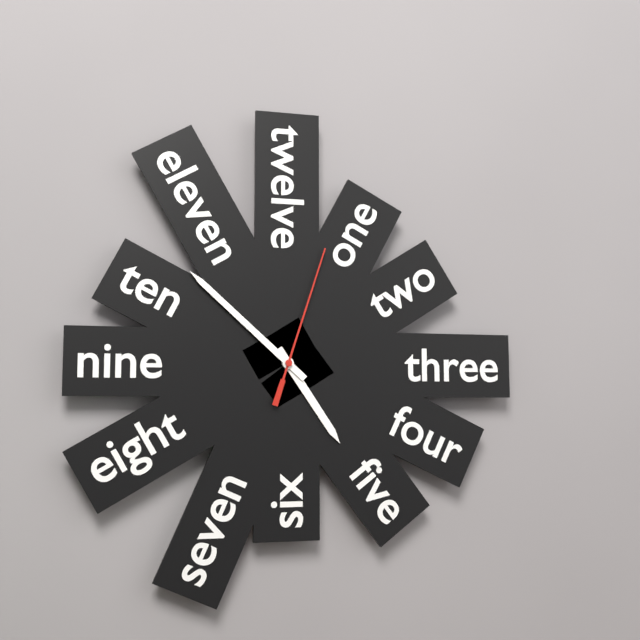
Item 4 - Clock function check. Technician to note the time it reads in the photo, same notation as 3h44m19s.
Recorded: 4h52m03s
